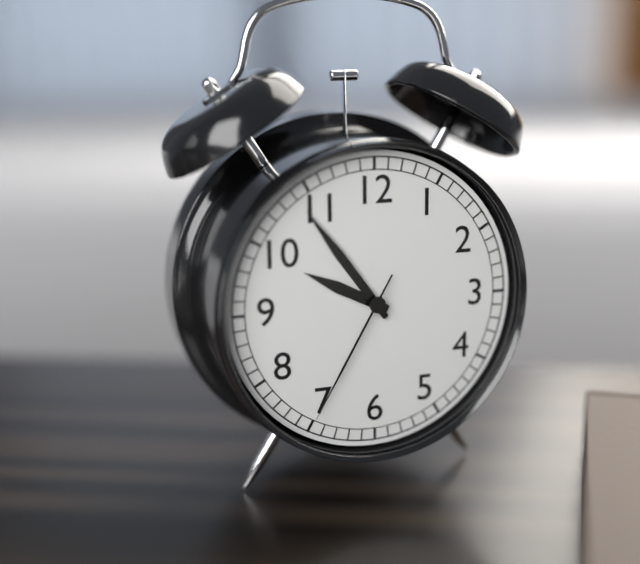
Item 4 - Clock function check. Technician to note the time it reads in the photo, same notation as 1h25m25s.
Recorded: 9h54m35s
